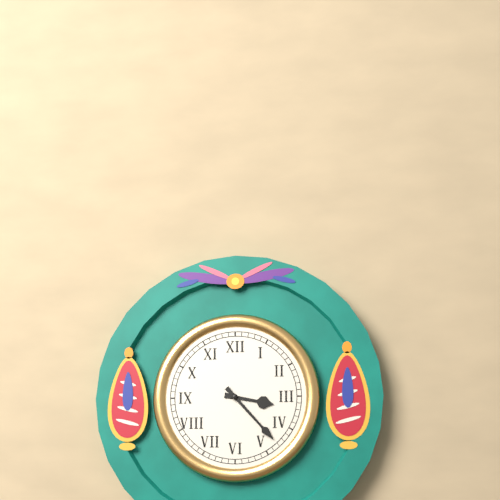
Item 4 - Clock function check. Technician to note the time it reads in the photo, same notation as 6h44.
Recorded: 3h23
